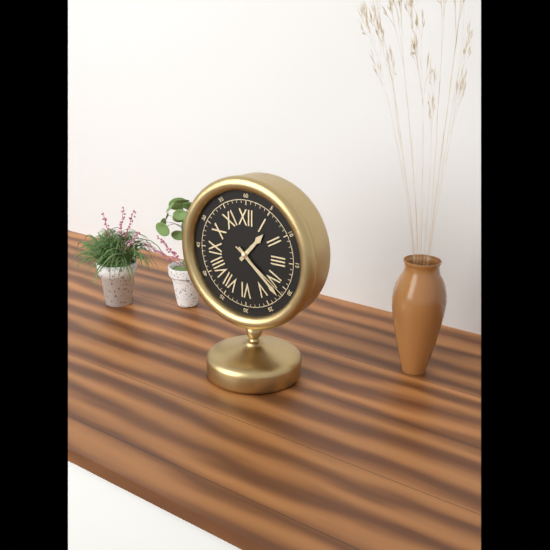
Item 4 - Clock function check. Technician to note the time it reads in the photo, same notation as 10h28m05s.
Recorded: 1h22m21s
